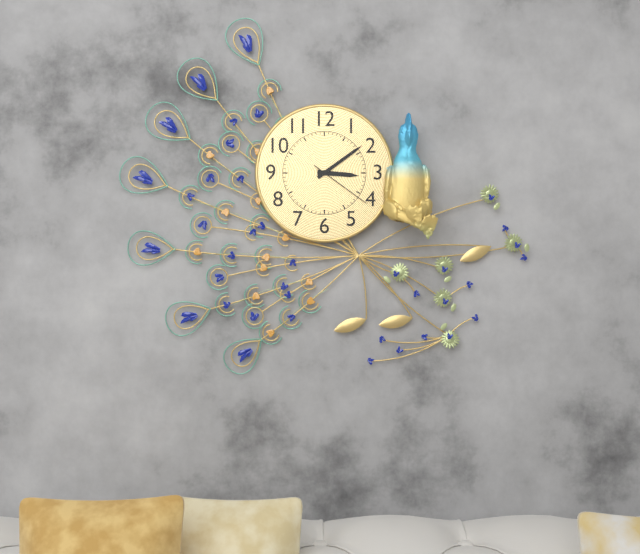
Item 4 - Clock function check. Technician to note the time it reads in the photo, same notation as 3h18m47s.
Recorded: 3h09m21s
